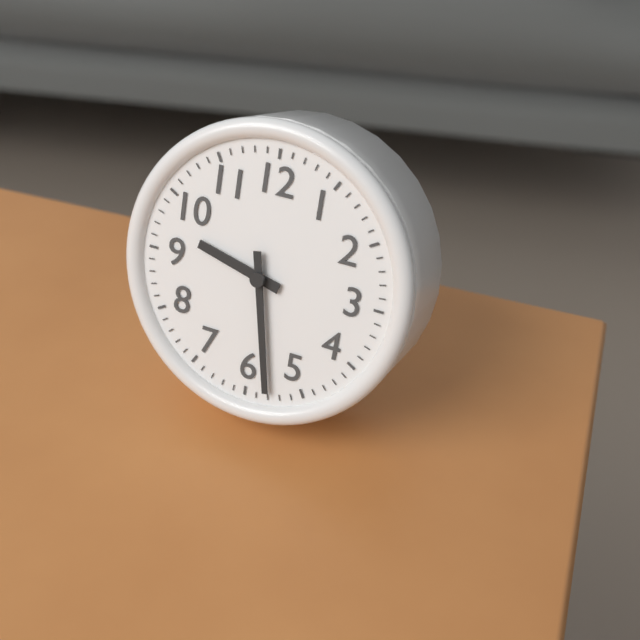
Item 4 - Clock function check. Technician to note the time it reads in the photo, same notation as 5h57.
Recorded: 9h28
